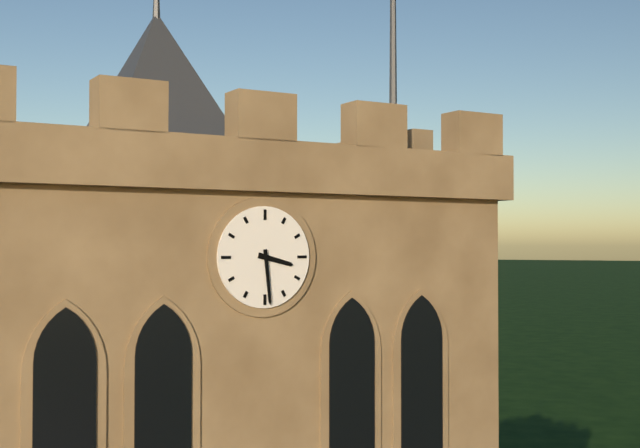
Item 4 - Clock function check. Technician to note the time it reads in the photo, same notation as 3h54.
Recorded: 3h29
